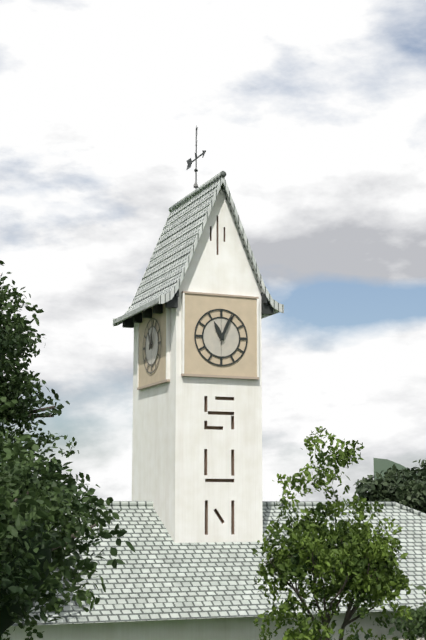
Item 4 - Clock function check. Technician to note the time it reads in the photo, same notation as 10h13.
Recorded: 11h04
